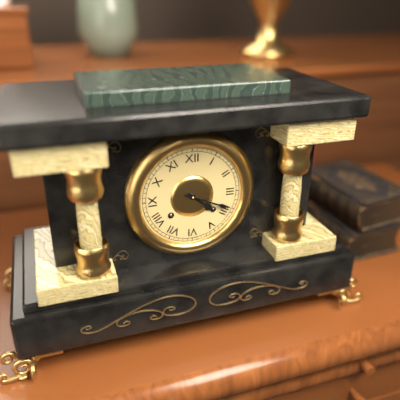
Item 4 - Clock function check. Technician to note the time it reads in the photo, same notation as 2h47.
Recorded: 4h19
